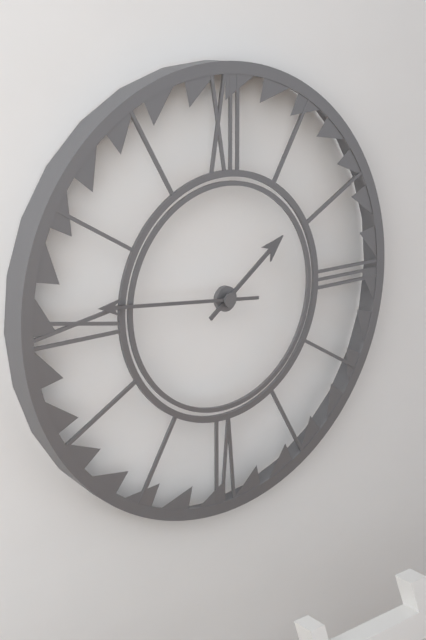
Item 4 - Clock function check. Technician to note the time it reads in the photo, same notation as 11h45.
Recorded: 1h46
